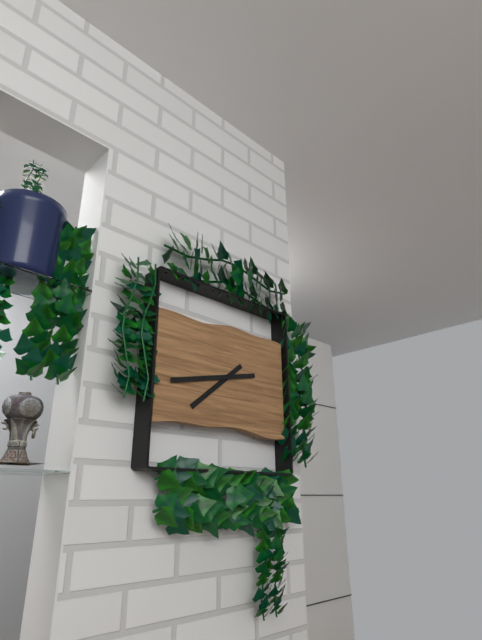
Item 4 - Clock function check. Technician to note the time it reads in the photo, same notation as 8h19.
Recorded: 7h43
